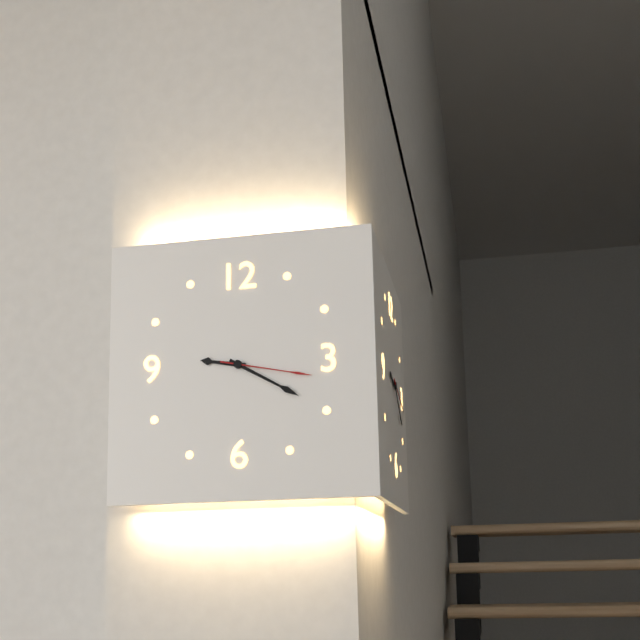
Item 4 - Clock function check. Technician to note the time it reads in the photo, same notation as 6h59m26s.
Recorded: 9h20m17s
